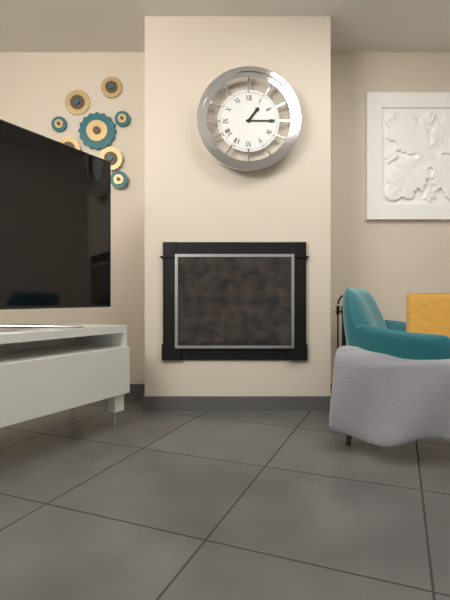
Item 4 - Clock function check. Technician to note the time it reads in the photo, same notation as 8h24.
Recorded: 1h15
